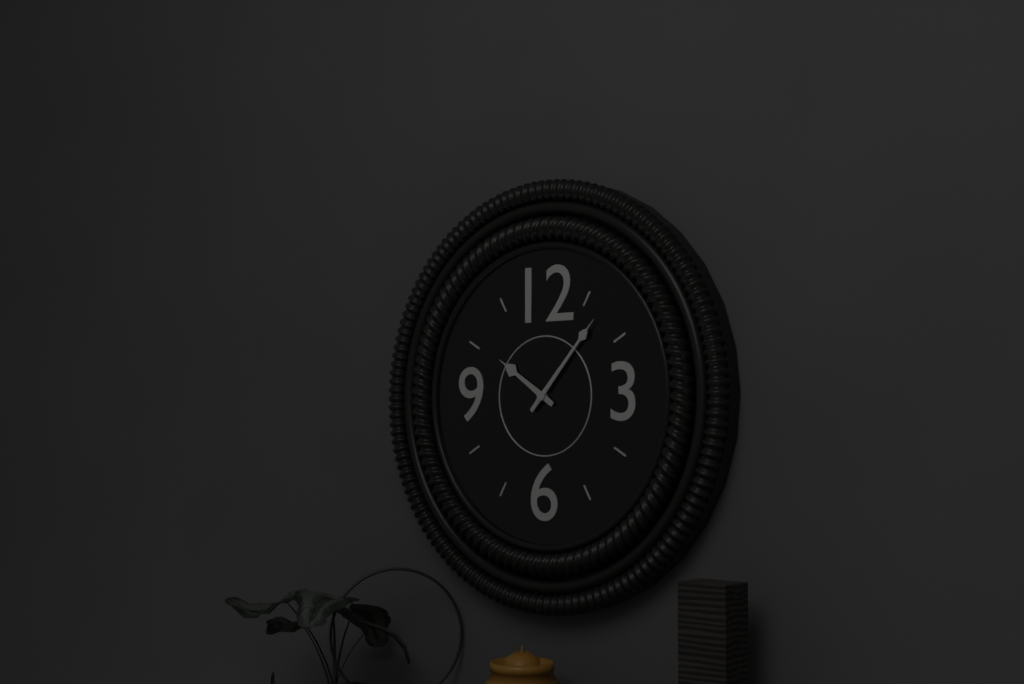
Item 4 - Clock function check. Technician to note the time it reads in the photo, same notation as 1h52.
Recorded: 10h07
